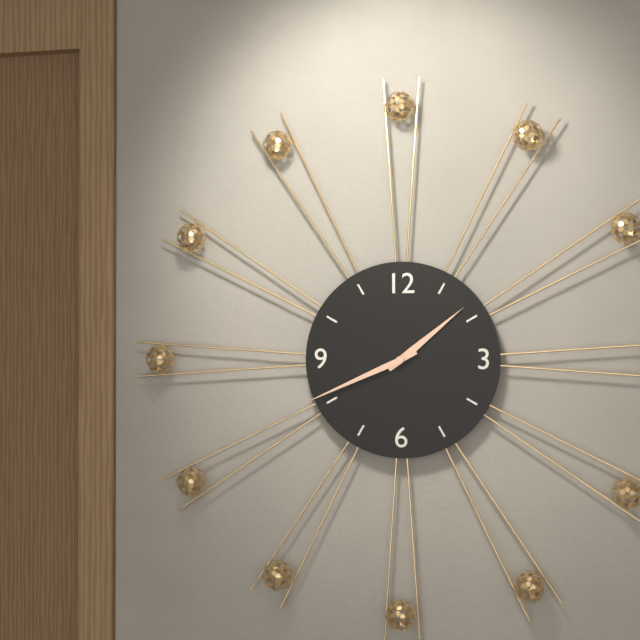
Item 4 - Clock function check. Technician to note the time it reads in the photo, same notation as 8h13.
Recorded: 1h41
